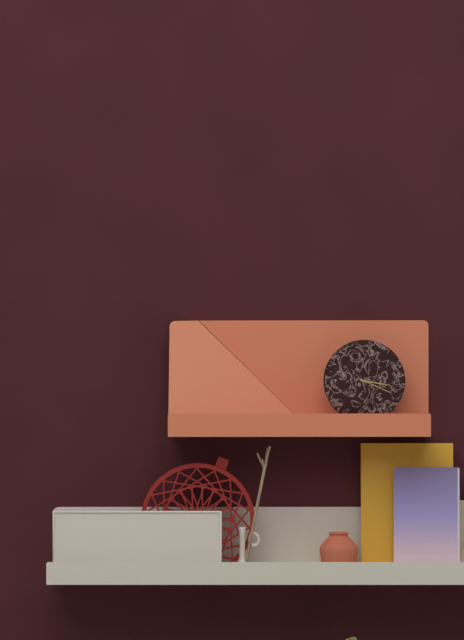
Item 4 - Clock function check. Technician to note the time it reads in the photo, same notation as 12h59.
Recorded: 3h19
